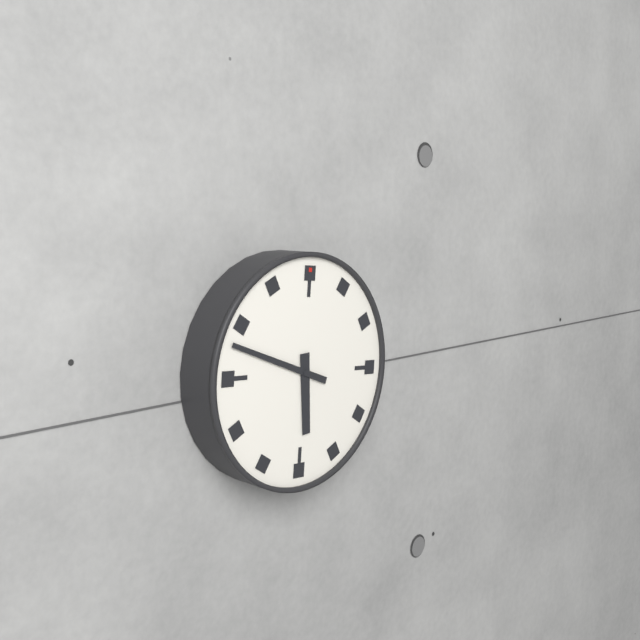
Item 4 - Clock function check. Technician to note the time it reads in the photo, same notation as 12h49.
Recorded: 5h48
